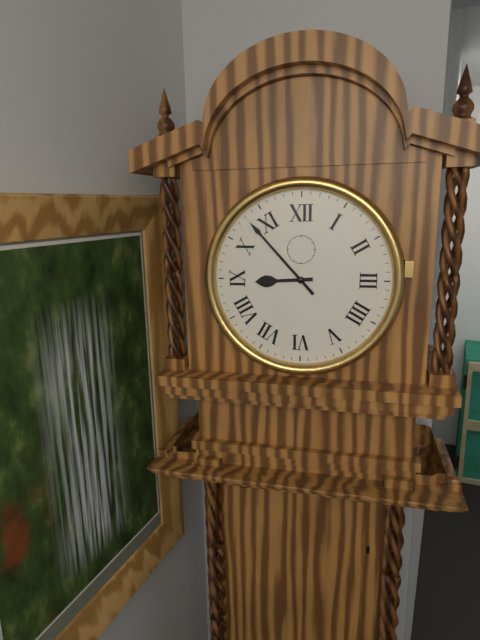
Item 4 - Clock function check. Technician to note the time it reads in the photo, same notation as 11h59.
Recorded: 8h53
